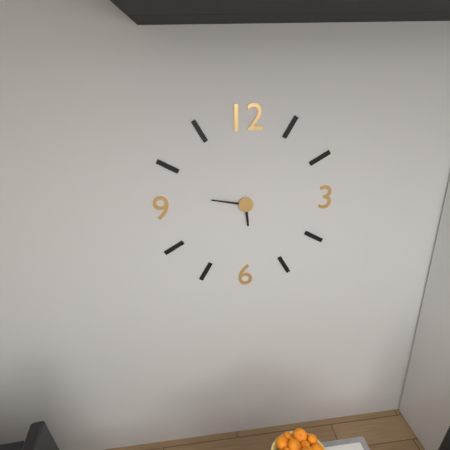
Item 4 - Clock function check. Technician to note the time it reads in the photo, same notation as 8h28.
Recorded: 5h47
